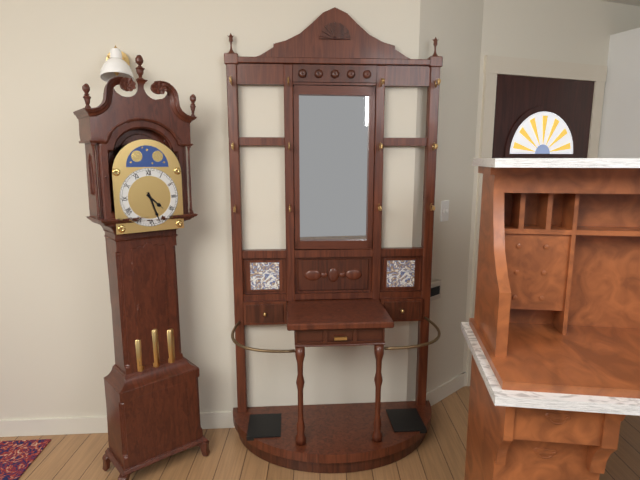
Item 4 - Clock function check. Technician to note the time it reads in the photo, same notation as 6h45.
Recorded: 4h27
